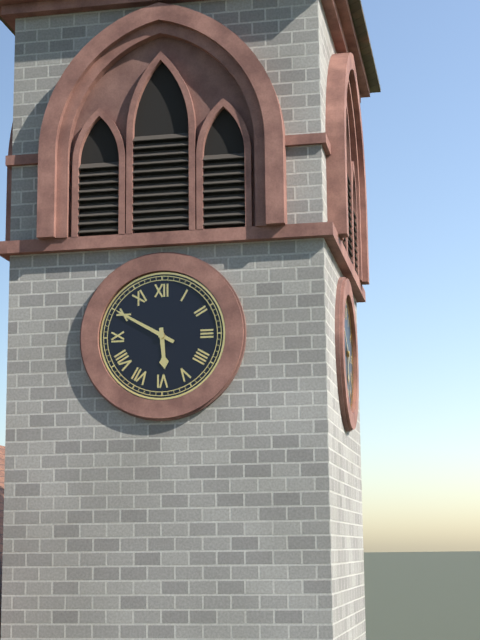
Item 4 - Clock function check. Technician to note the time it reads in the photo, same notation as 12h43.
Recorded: 5h50
